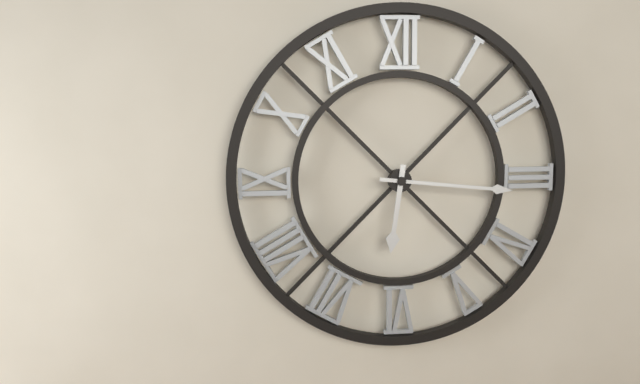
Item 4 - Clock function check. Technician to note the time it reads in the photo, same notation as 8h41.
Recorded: 6h16
